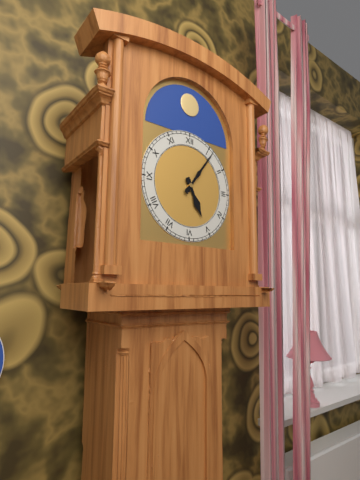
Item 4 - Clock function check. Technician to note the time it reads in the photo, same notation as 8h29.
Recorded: 5h06
